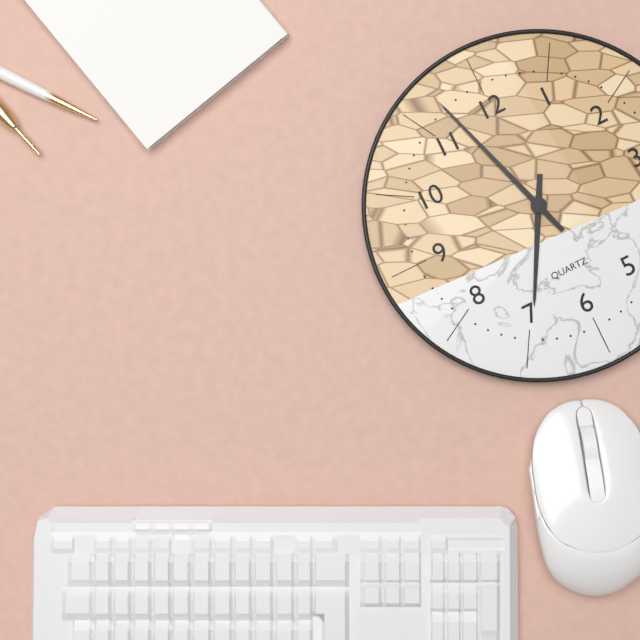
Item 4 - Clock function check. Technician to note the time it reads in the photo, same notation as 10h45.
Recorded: 6h57
